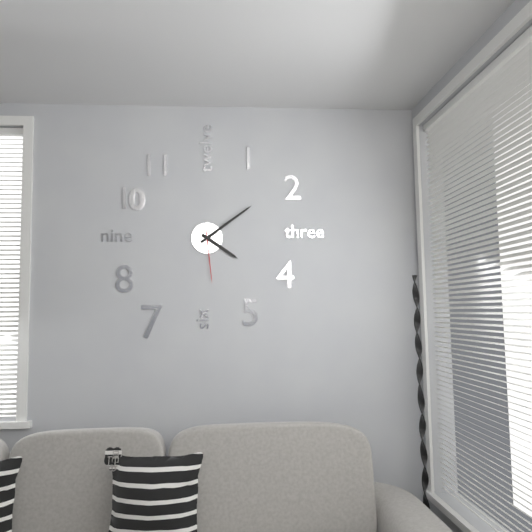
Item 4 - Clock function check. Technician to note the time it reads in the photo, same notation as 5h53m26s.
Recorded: 4h09m29s
